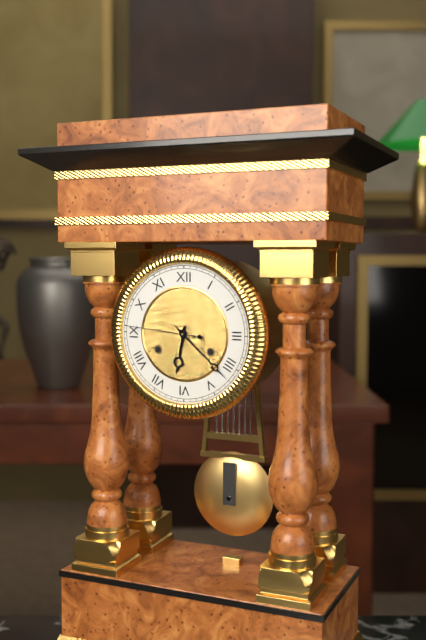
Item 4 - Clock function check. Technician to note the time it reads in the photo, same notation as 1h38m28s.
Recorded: 6h22m46s
